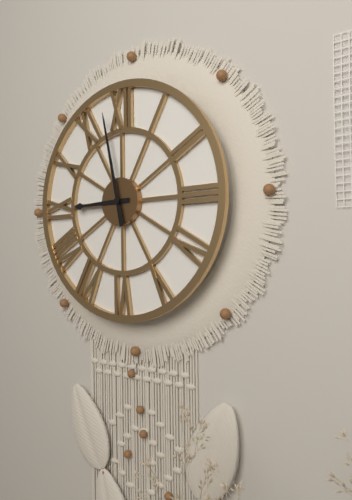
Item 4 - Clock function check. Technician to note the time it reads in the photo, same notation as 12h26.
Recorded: 8h58
